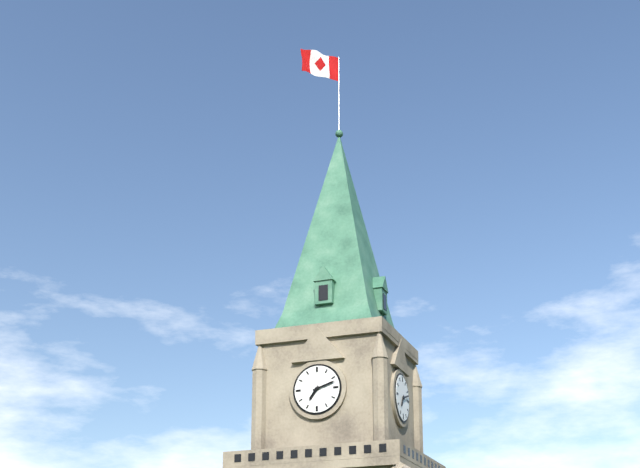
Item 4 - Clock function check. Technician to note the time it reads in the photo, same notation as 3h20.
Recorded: 7h12
